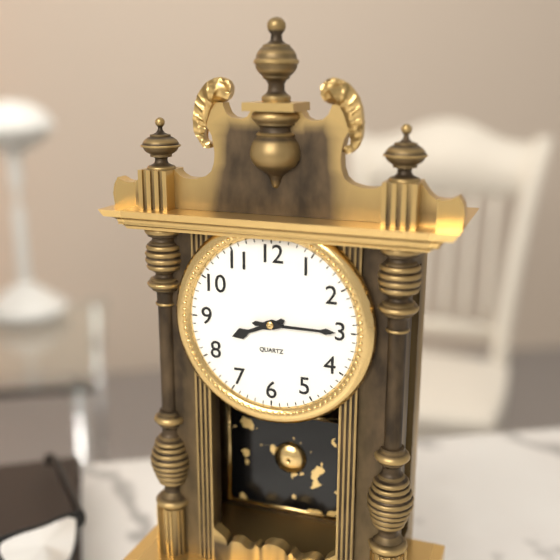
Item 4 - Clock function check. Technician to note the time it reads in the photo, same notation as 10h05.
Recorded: 8h15
